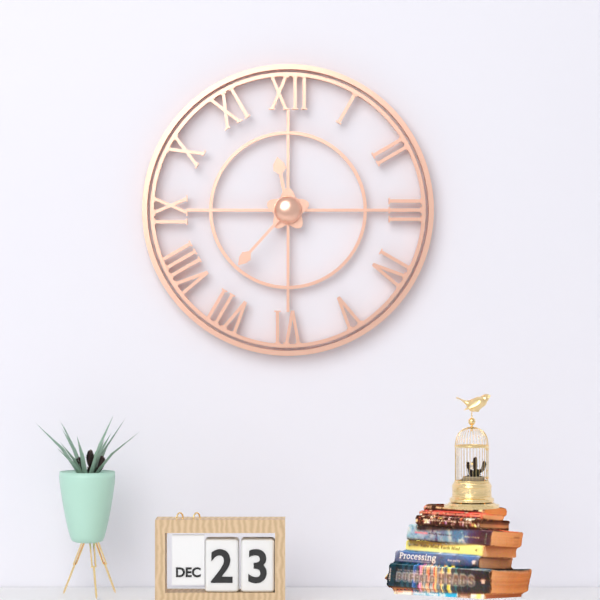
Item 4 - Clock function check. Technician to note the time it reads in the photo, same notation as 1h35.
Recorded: 11h37
